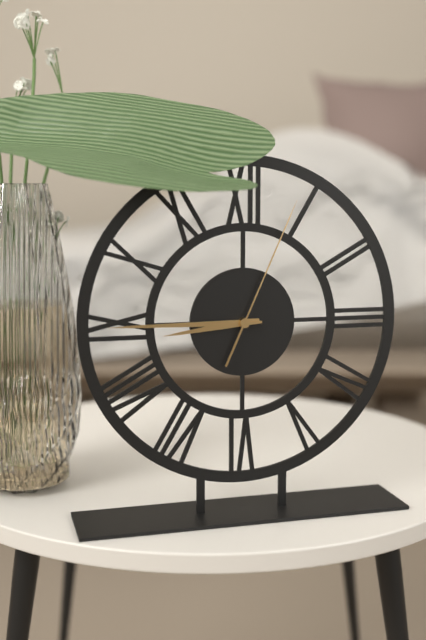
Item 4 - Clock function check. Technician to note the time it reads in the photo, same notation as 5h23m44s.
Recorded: 8h45m04s
